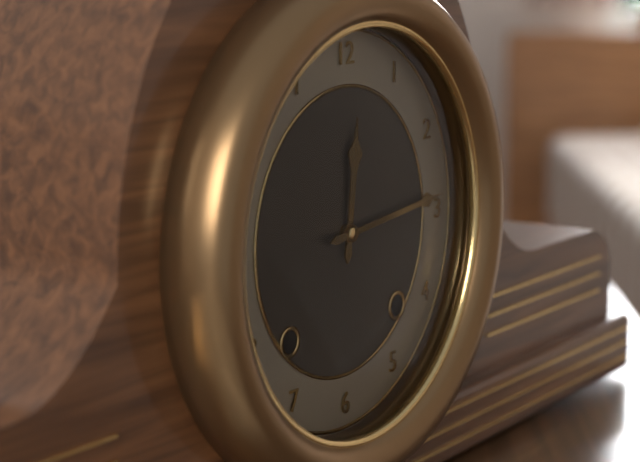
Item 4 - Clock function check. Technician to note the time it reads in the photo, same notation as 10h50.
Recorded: 12h14
